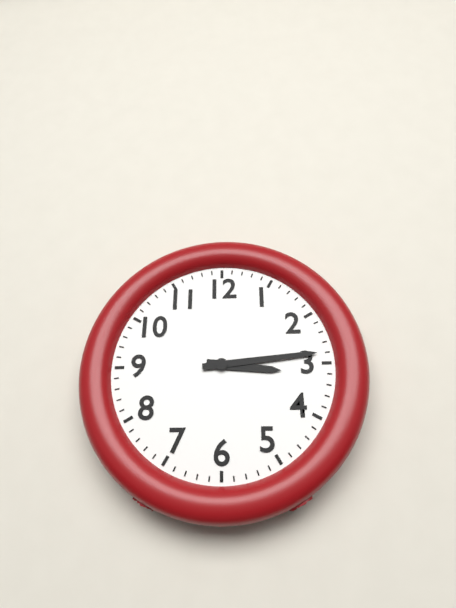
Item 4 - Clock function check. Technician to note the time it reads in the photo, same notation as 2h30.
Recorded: 3h14
